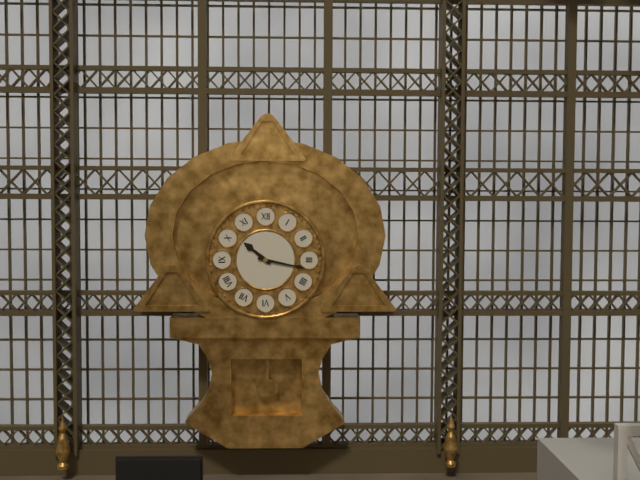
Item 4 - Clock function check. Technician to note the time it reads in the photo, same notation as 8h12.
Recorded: 10h17
